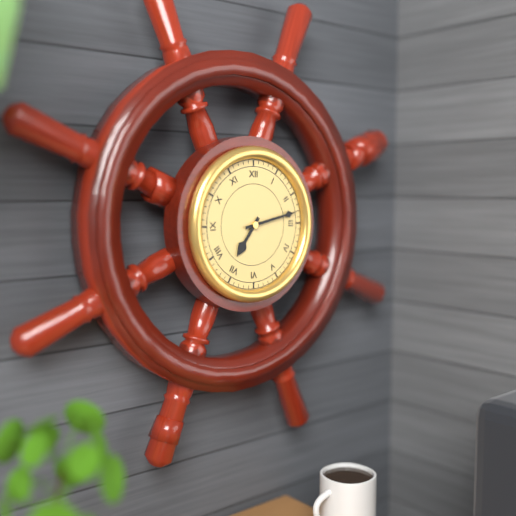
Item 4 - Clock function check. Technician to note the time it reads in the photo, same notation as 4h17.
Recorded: 7h13
